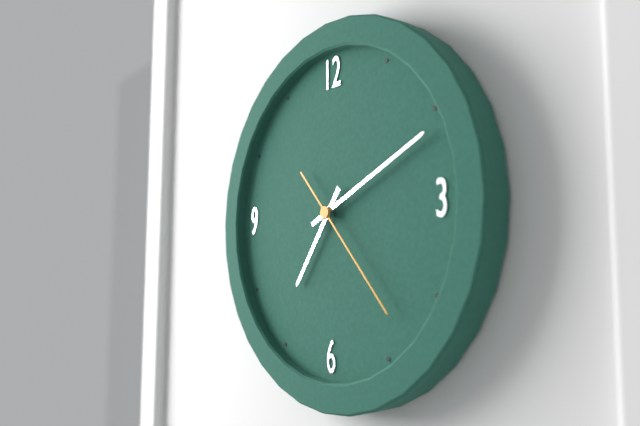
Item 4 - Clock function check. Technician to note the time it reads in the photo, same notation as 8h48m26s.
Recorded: 7h11m23s
